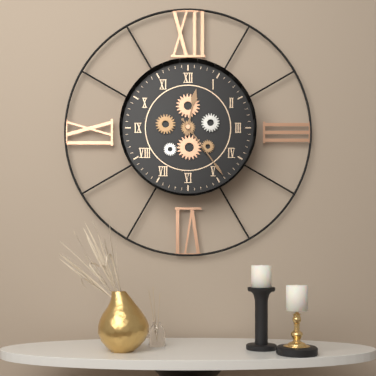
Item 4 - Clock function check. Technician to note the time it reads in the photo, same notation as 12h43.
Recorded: 12h24
